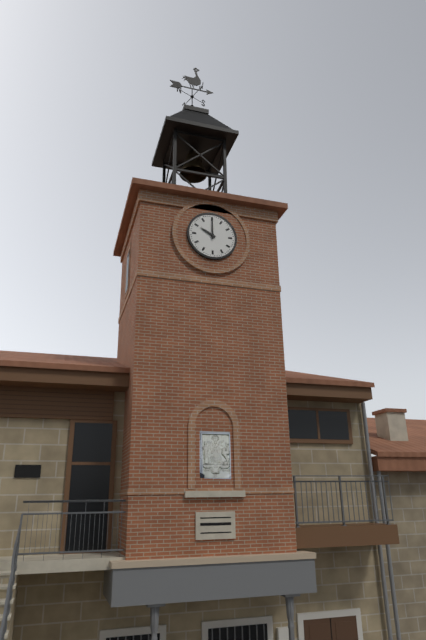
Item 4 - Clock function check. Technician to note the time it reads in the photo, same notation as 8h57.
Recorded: 10h00
